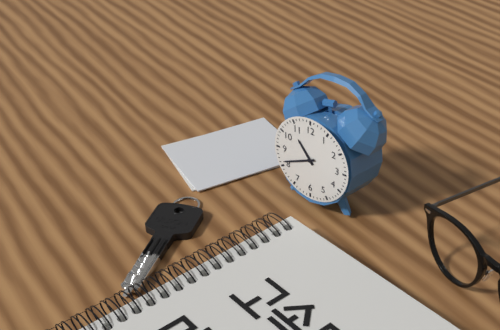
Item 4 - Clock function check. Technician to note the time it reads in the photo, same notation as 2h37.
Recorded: 10h41
